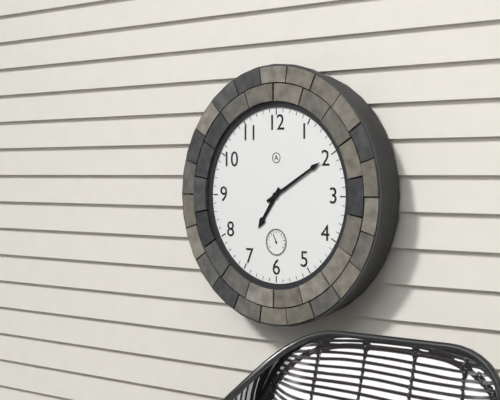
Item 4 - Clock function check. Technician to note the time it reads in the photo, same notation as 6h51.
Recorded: 7h10
